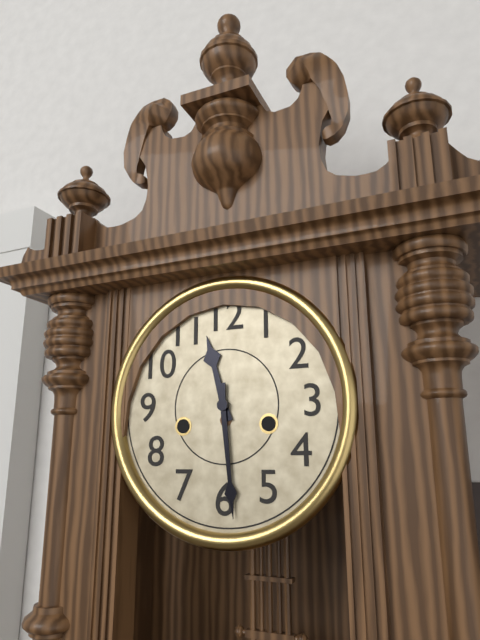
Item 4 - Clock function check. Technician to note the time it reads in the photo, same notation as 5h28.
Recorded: 11h29
